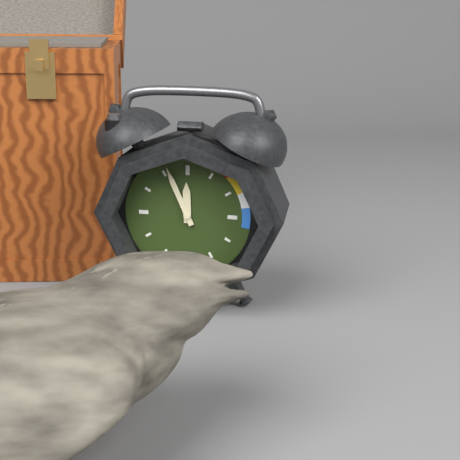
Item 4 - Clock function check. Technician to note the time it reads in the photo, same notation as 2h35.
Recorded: 11h56
